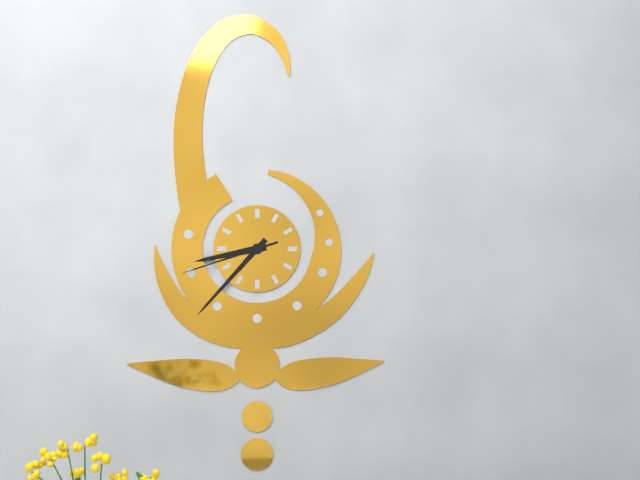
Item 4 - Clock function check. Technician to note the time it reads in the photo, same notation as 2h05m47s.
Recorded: 8h37m42s
